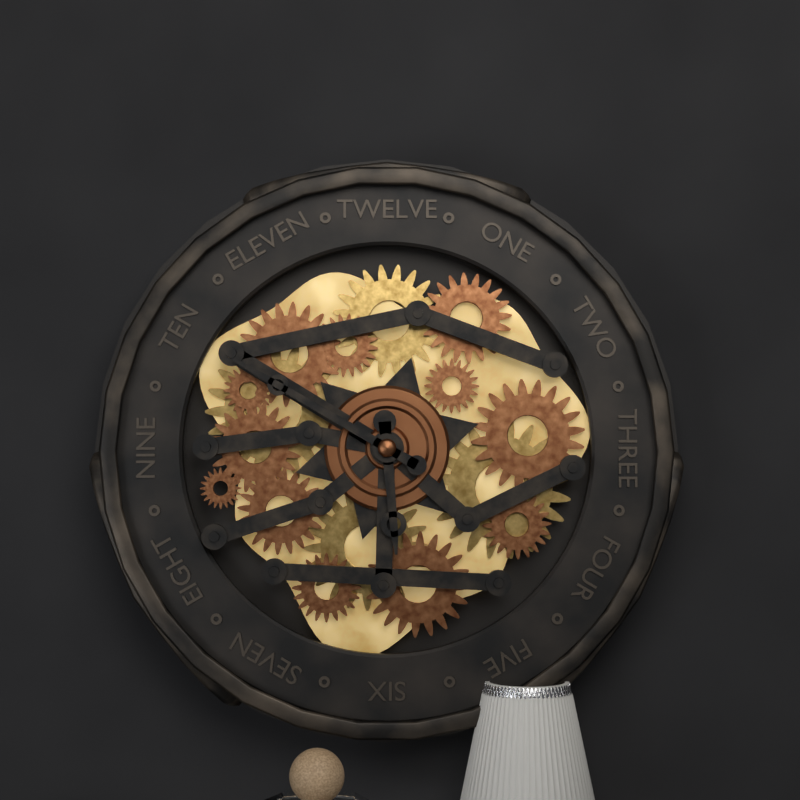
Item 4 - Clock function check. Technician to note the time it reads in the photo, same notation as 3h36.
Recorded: 5h50
